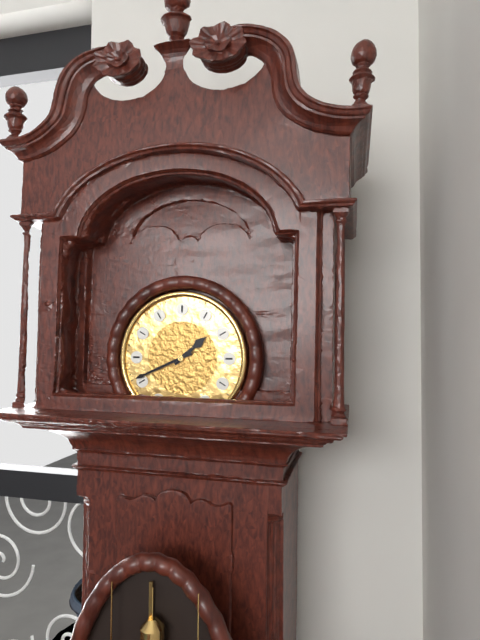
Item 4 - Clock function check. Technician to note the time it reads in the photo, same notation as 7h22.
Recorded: 1h41
